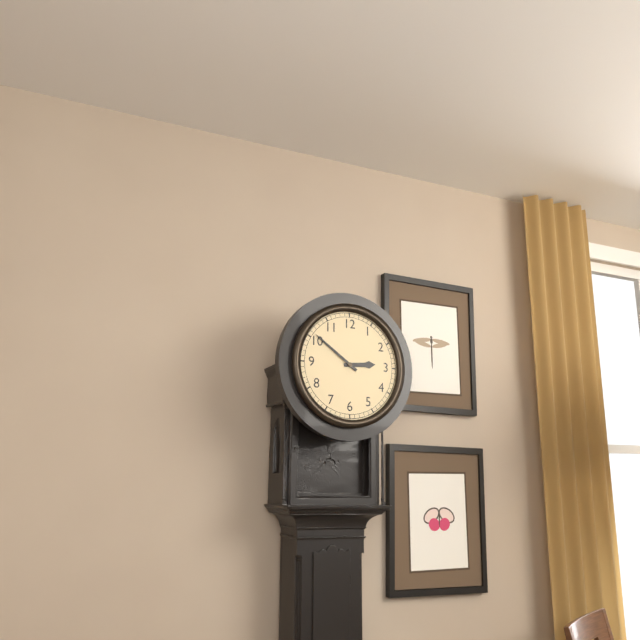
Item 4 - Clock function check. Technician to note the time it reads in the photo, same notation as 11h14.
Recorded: 2h51
